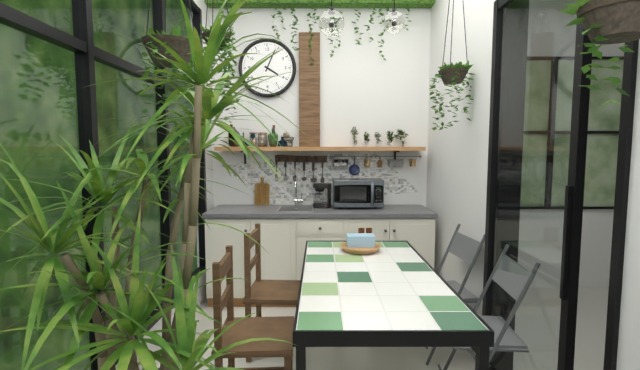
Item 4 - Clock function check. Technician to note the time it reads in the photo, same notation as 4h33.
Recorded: 4h04
